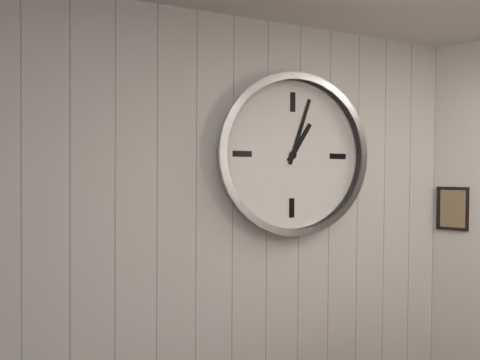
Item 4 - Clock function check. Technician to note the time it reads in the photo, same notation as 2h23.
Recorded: 1h03
